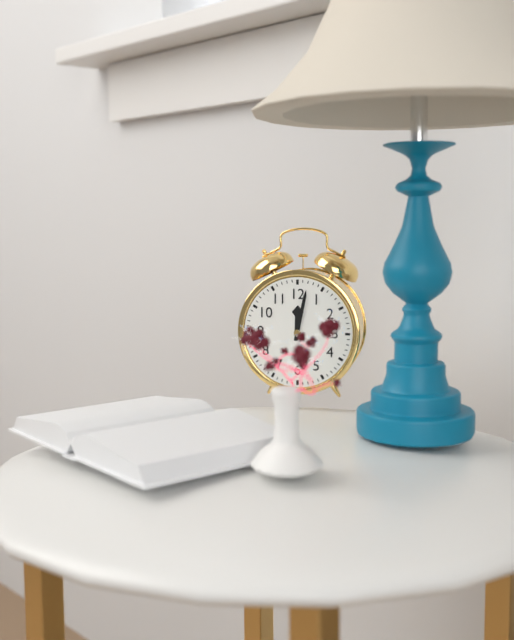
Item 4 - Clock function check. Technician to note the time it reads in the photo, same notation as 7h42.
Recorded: 12h02
